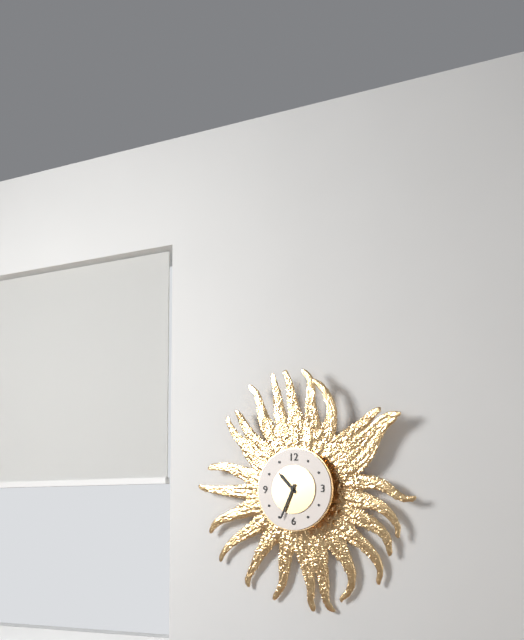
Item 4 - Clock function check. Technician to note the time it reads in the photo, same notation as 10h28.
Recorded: 10h34
